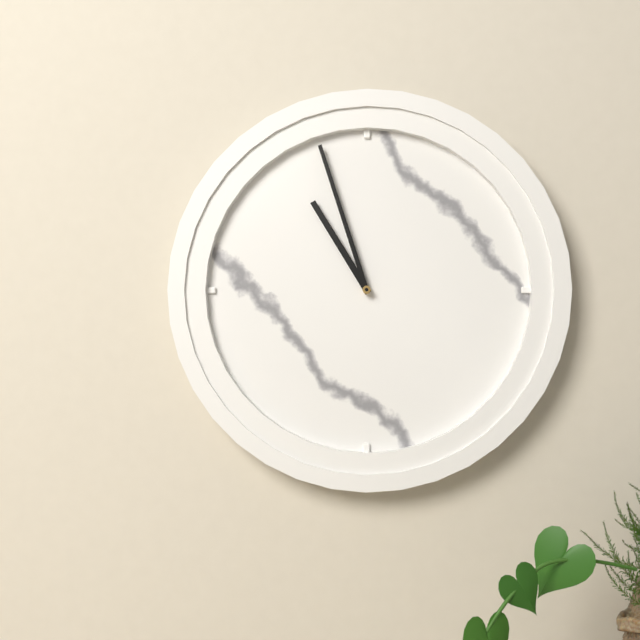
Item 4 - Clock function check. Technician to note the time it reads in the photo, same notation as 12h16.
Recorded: 10h57
